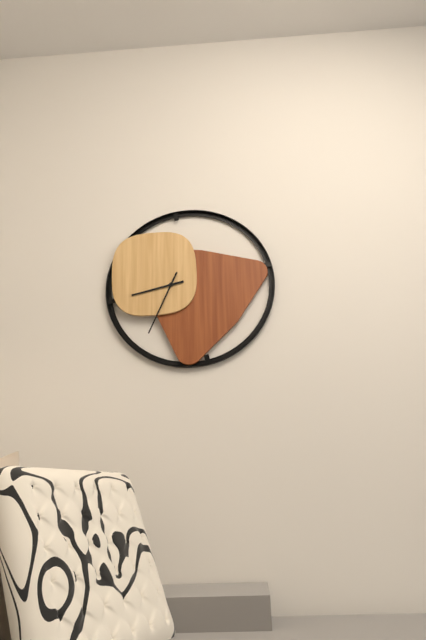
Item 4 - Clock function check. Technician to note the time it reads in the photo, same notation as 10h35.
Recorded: 8h34
